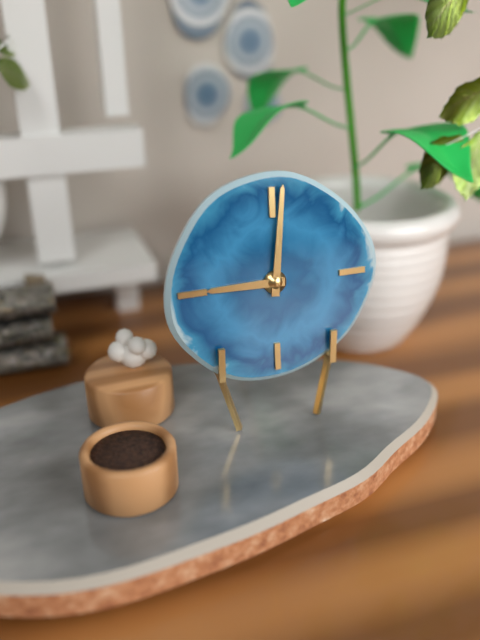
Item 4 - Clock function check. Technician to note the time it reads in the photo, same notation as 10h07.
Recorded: 9h01
